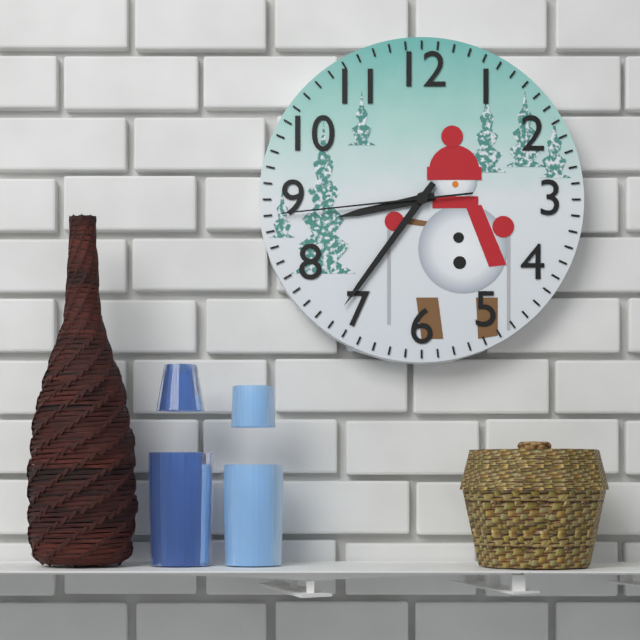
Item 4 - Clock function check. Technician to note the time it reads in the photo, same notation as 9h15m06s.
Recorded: 8h36m44s
